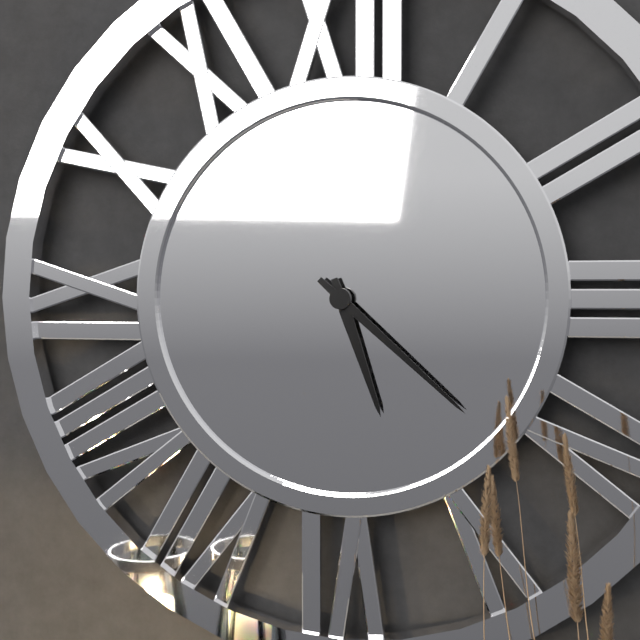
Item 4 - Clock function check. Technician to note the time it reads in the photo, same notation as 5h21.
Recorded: 5h22
